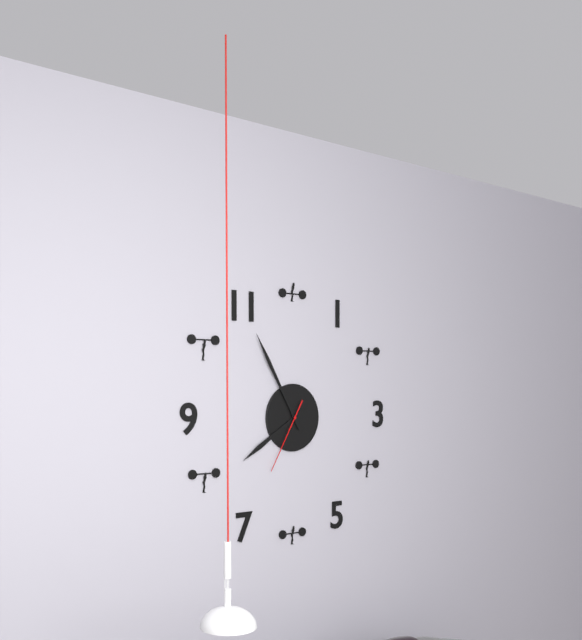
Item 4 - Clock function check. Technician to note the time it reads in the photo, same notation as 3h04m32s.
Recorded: 7h55m35s
